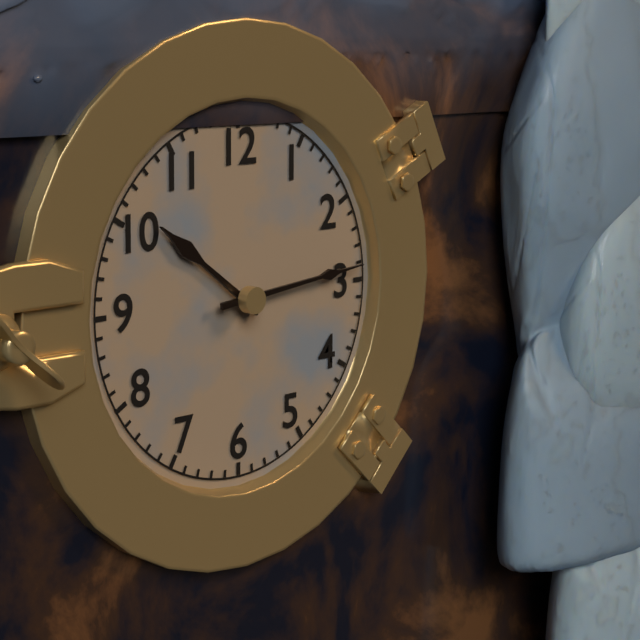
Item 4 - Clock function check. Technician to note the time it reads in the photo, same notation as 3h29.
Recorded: 10h14
